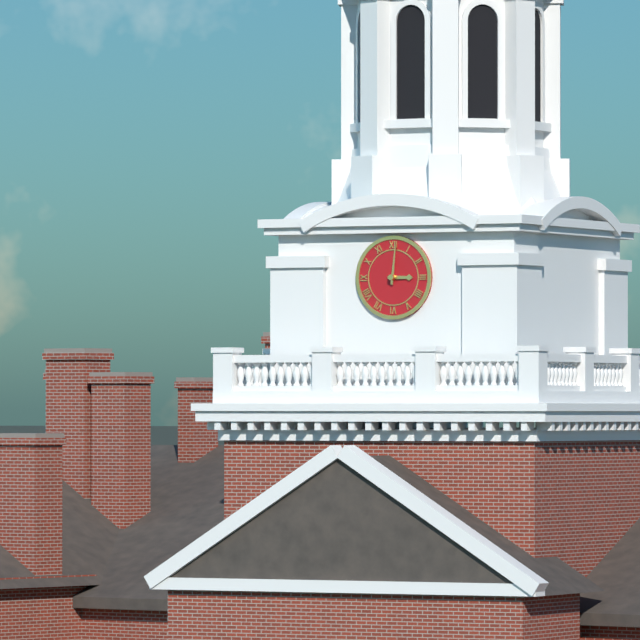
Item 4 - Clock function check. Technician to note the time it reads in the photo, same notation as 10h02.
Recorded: 3h01
